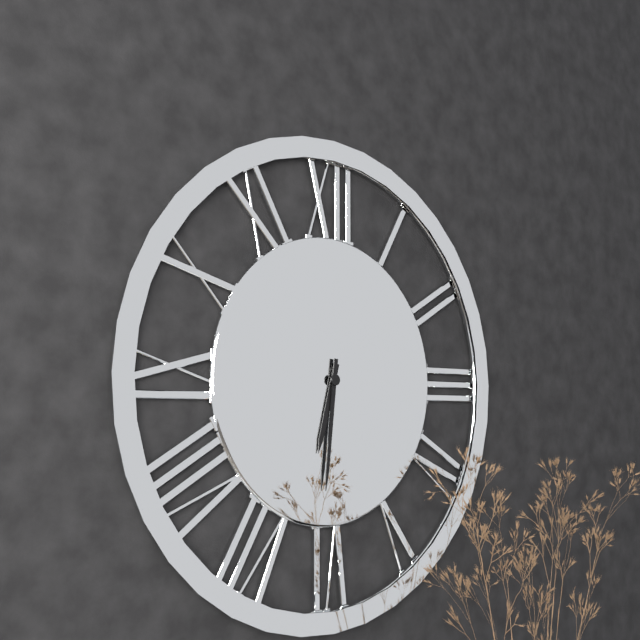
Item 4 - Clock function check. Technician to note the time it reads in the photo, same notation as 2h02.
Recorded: 6h31
